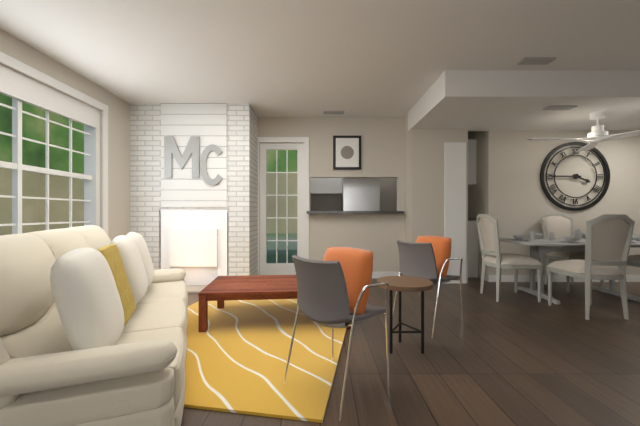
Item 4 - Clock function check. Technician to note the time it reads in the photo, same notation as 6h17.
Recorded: 3h45
